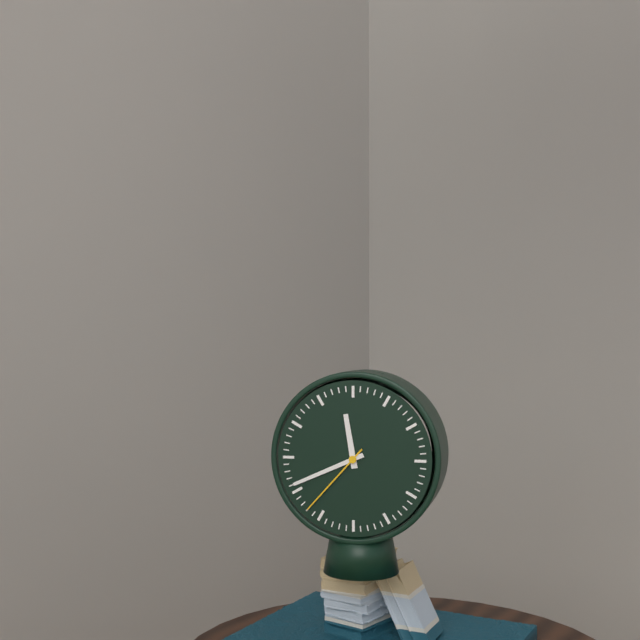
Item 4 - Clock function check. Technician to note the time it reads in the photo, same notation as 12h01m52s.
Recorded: 11h41m37s
